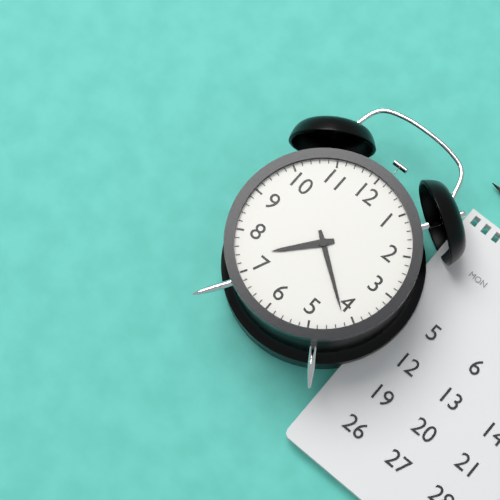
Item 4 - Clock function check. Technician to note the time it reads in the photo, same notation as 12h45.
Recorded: 7h21
